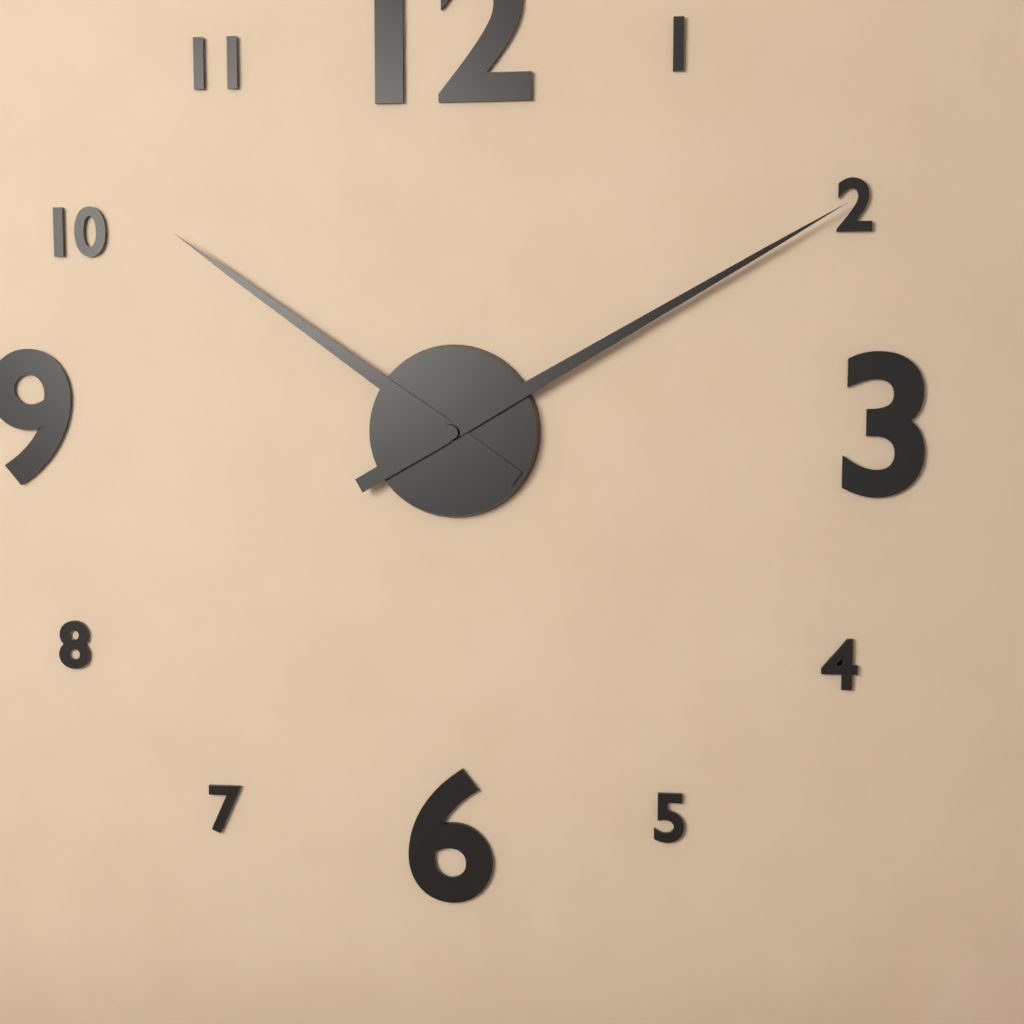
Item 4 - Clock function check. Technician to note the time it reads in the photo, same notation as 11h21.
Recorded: 10h10
